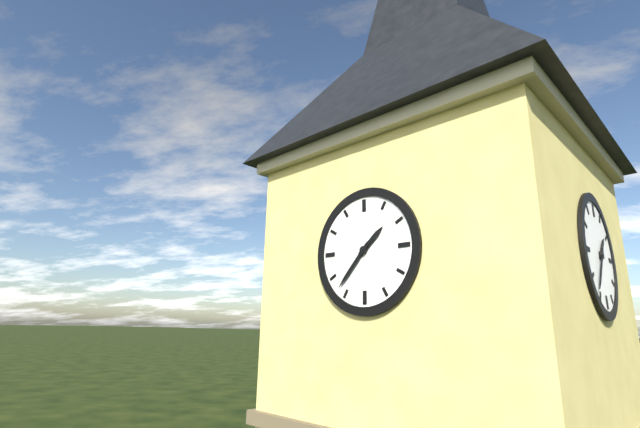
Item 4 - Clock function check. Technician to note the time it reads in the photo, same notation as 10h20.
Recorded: 1h37
